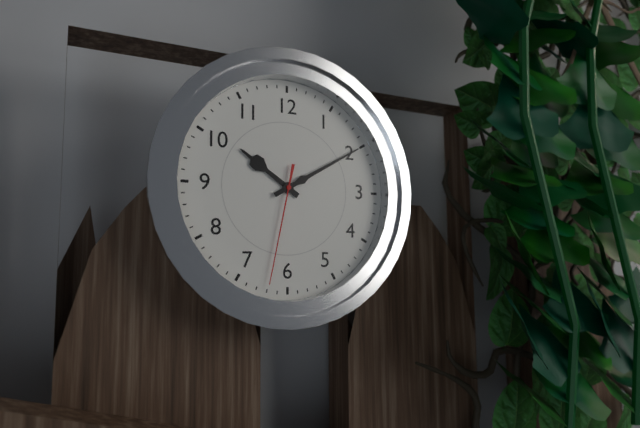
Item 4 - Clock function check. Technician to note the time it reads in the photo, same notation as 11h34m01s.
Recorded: 10h10m32s
